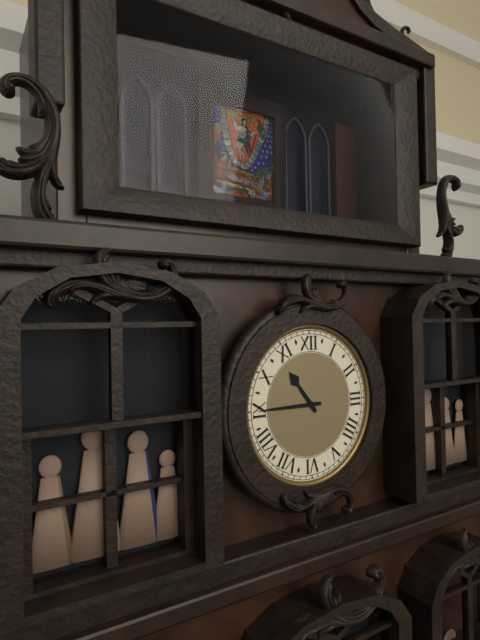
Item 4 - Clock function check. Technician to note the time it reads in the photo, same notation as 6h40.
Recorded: 10h45
